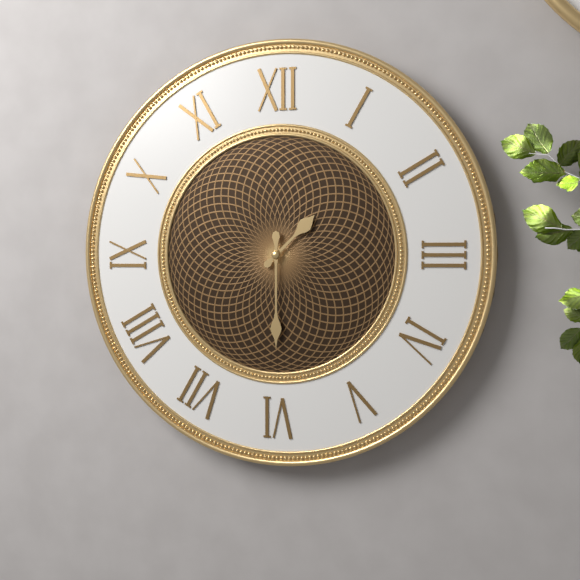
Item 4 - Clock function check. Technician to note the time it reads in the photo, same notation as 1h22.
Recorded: 1h30
